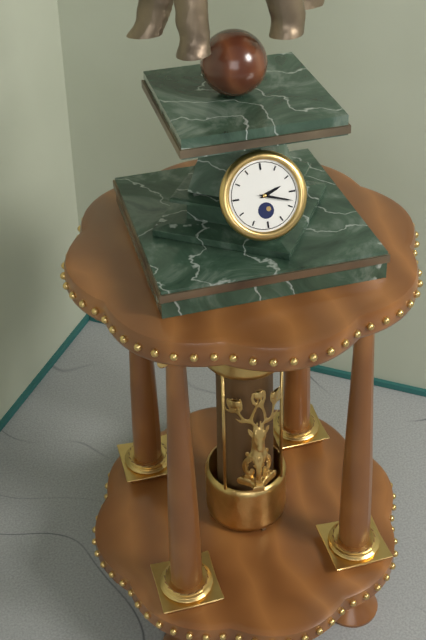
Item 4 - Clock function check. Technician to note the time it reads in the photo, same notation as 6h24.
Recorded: 2h18
